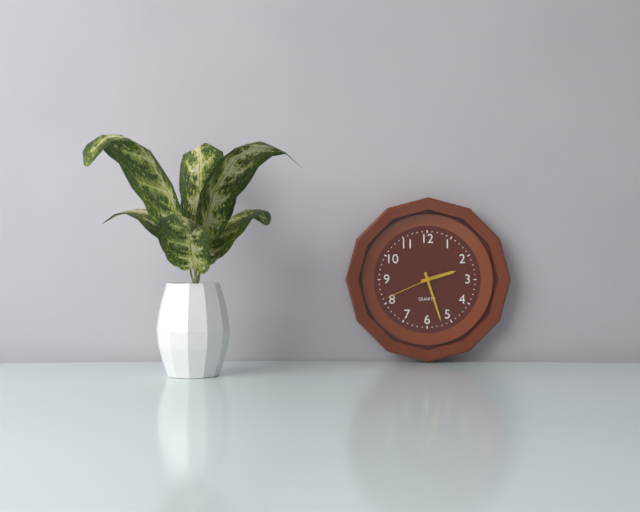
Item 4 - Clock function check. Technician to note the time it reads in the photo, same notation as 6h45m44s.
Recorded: 2h27m41s
